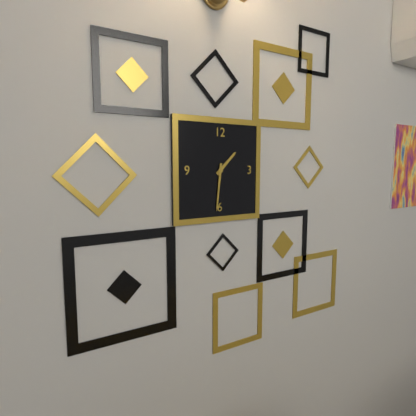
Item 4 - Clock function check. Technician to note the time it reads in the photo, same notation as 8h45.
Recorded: 1h31
